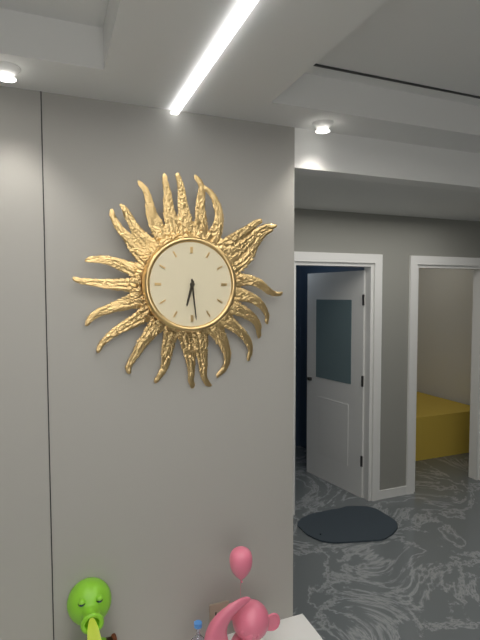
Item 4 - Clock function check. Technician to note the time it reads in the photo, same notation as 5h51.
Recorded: 6h29
